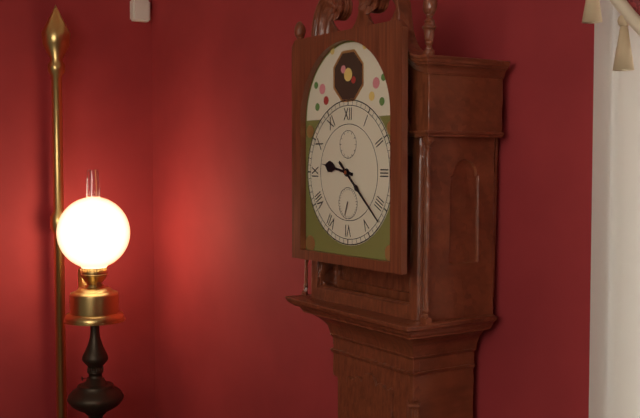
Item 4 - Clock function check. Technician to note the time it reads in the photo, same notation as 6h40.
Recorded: 9h22
